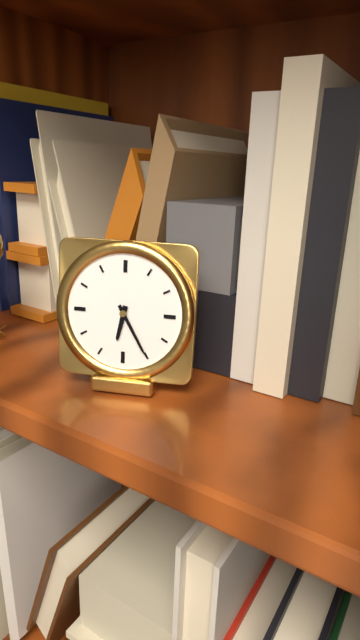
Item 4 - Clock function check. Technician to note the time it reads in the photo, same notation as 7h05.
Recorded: 6h25
